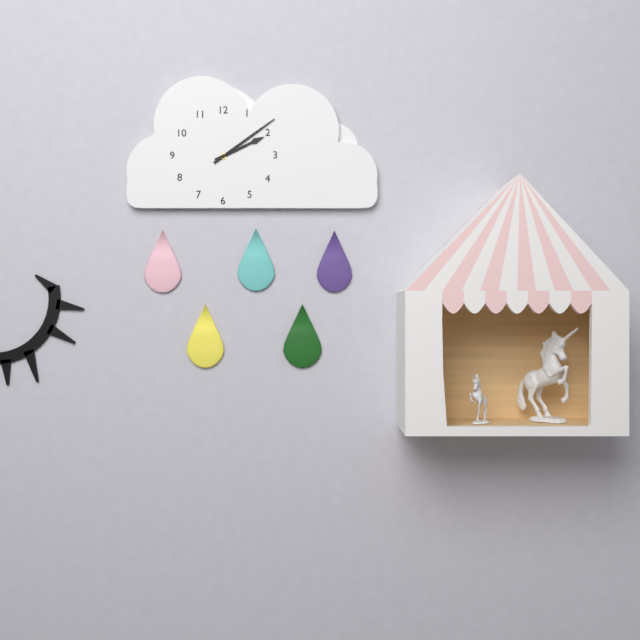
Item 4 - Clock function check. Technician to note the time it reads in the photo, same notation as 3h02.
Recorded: 2h09
